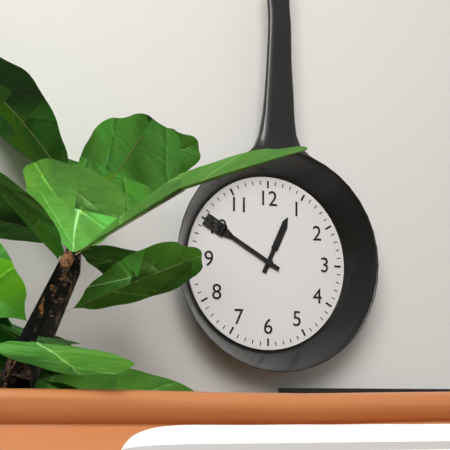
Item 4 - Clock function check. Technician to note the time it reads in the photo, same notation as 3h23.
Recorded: 12h50
